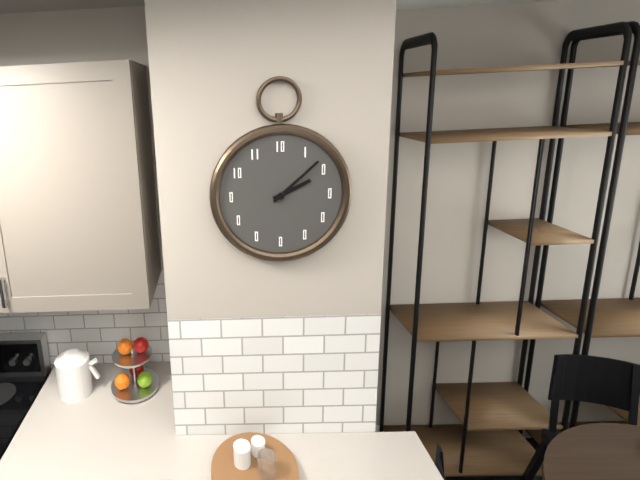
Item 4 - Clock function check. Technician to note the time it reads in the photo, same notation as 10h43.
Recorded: 2h08
